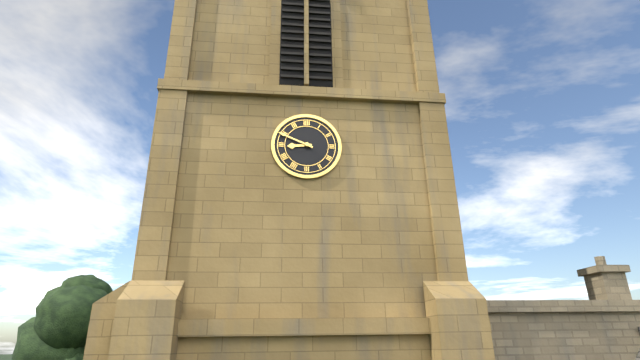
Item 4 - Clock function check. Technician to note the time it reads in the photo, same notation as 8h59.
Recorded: 8h49
